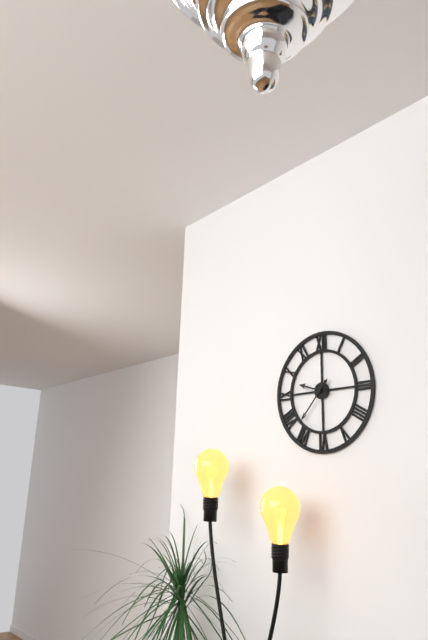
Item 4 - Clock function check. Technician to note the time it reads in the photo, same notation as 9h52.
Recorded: 9h37
